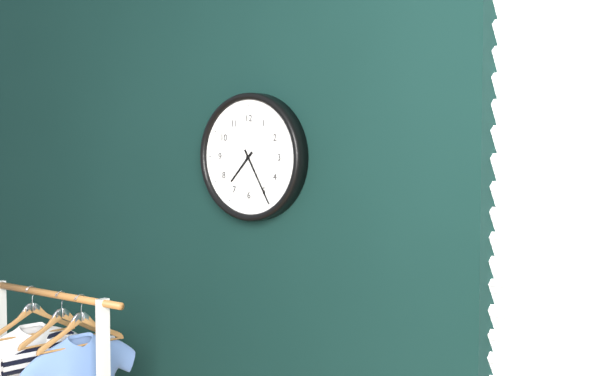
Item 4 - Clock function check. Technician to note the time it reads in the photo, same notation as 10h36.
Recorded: 7h25
